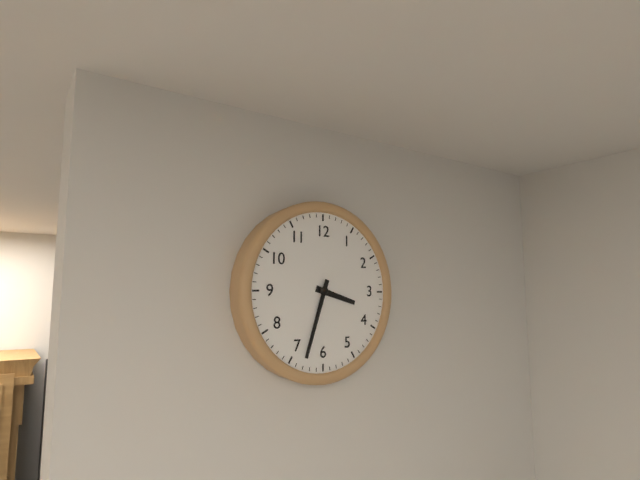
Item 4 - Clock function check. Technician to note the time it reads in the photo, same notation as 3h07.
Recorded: 3h33
